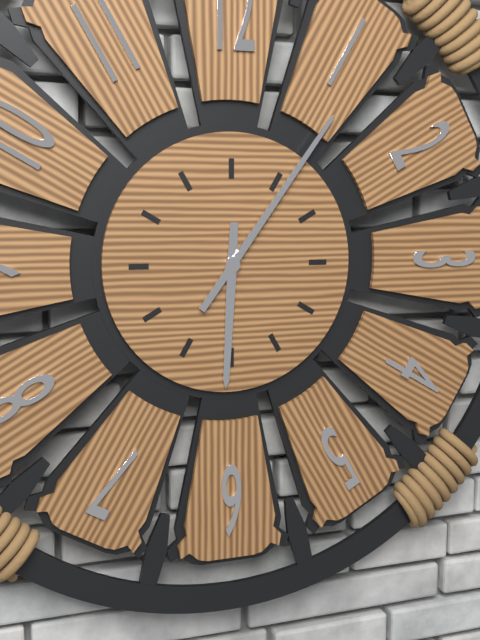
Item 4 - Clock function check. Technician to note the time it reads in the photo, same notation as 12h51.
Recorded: 6h06
